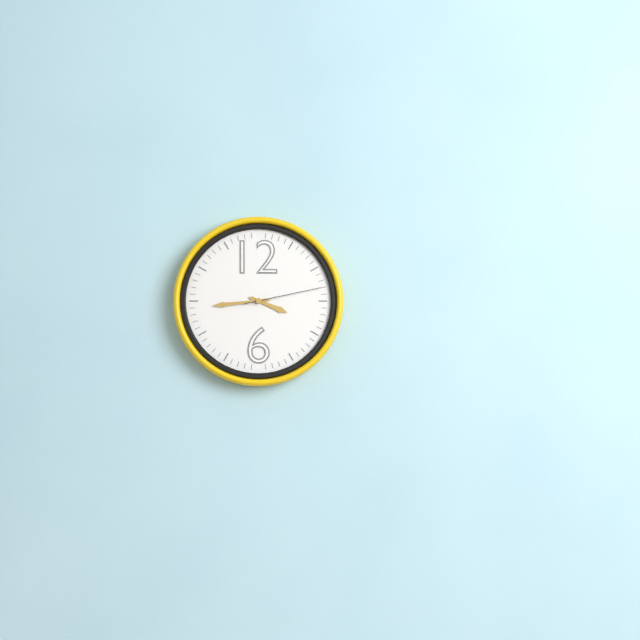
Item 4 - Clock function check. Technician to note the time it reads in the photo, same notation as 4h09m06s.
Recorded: 3h44m13s
